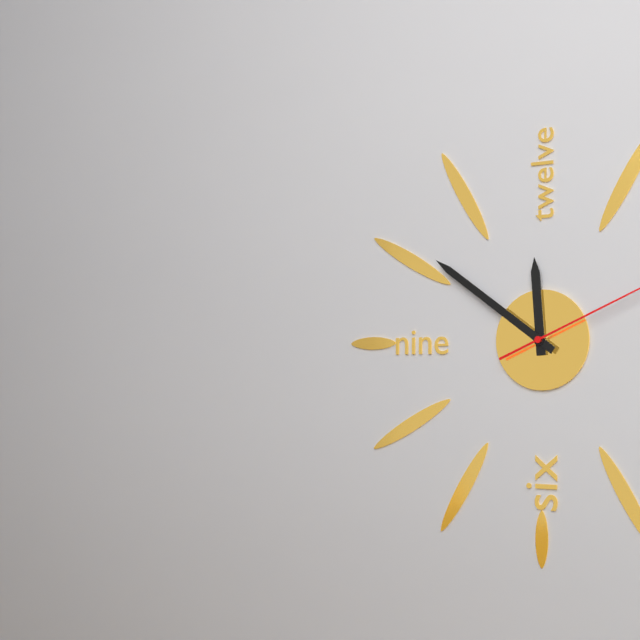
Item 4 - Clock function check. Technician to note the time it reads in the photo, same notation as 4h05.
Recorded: 11h51
